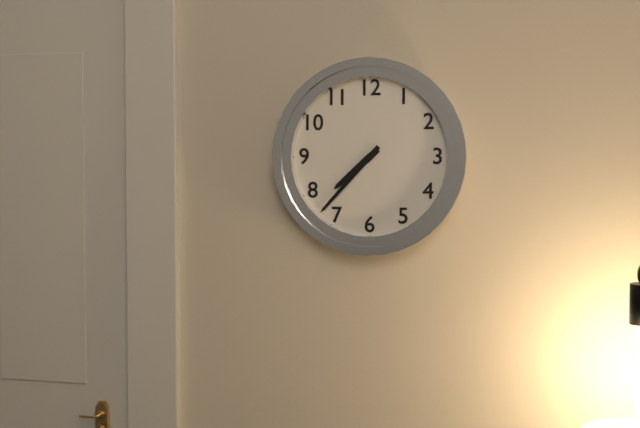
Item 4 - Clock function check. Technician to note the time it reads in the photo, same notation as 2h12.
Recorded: 7h37
